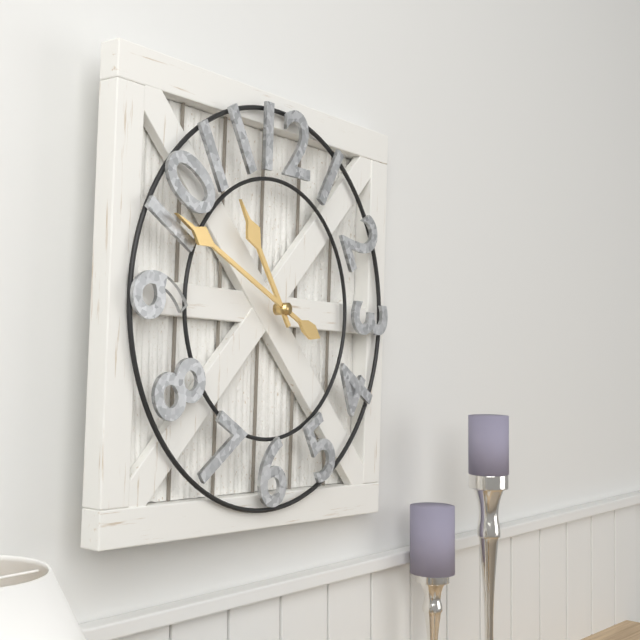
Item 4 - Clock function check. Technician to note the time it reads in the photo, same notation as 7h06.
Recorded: 10h49
